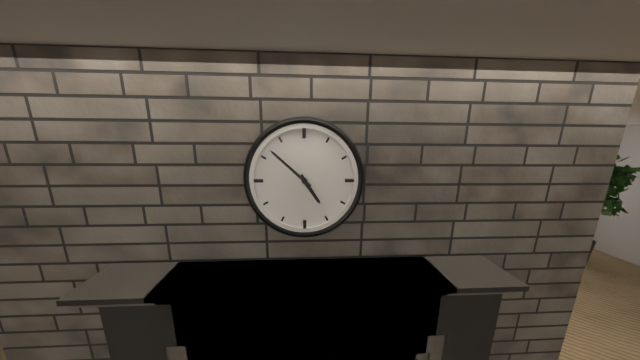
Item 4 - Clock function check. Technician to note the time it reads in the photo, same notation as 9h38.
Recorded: 4h52
